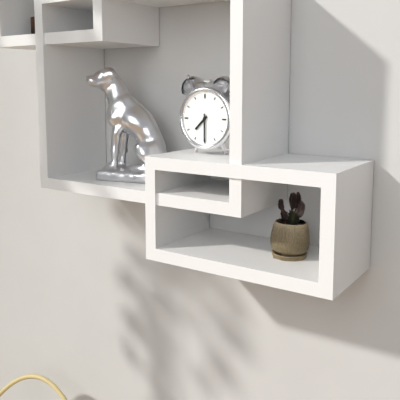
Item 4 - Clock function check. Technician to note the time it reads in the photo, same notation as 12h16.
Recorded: 7h30
